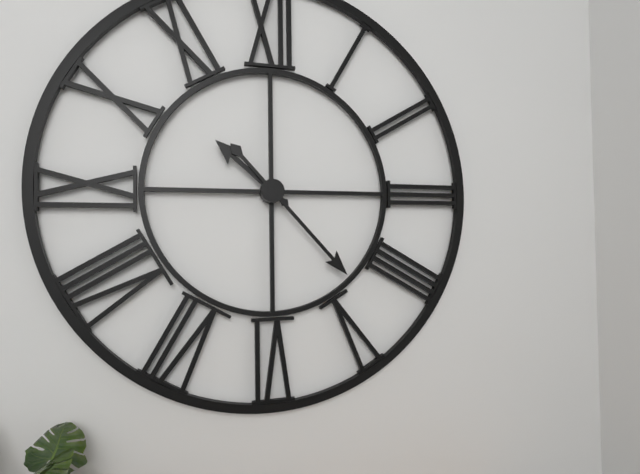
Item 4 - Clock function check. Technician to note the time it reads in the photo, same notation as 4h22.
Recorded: 10h23
